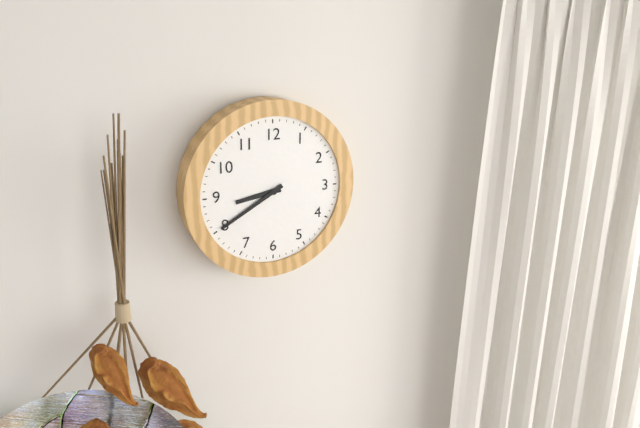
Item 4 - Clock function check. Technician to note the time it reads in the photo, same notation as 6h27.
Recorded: 8h40
